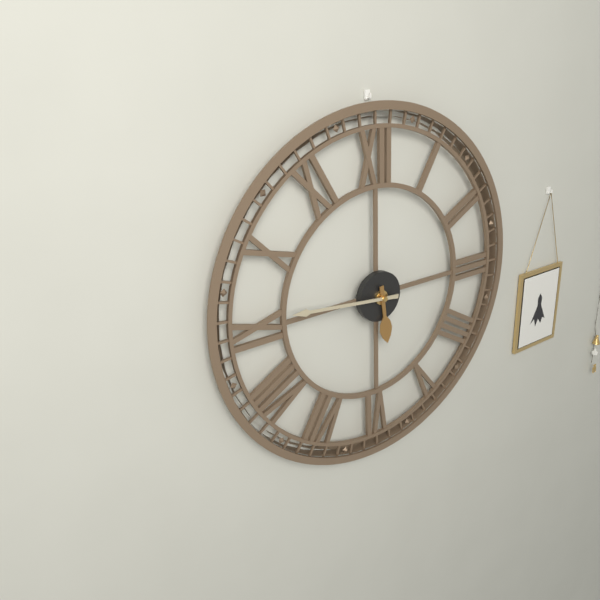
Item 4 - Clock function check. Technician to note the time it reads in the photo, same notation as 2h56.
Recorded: 5h46
